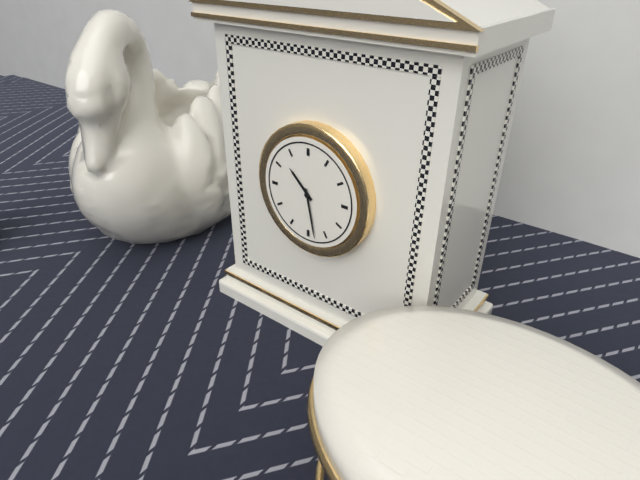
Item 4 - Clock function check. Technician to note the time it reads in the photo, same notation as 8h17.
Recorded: 10h28
